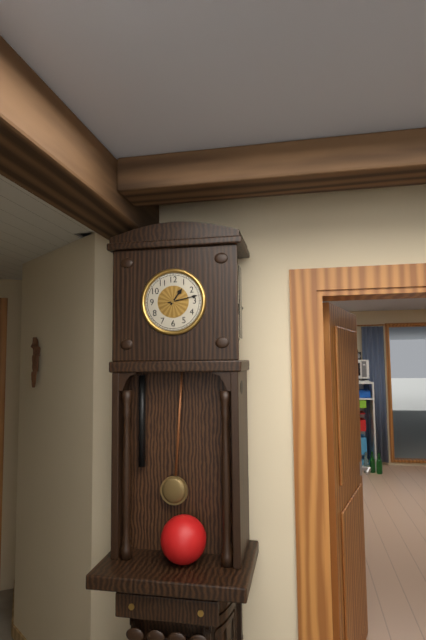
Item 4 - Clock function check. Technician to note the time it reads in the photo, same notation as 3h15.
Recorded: 1h13
